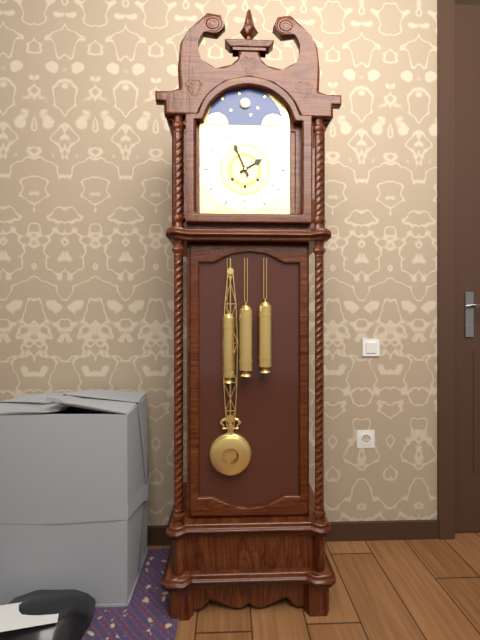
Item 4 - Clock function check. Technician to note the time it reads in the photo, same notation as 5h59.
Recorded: 1h56
